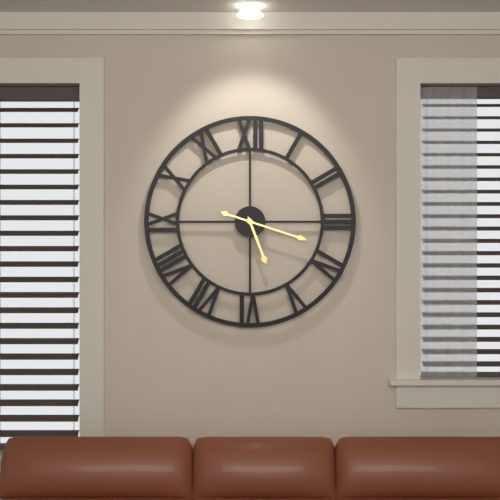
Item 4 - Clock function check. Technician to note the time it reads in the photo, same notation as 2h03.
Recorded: 5h18
